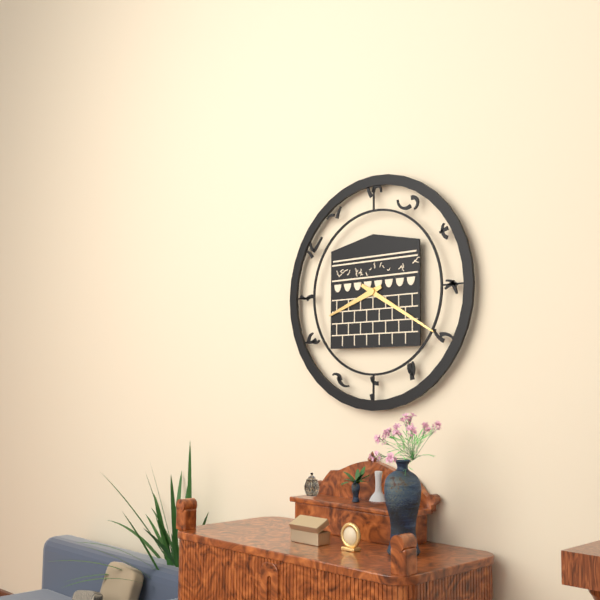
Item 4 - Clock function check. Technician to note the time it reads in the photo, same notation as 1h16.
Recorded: 8h20
